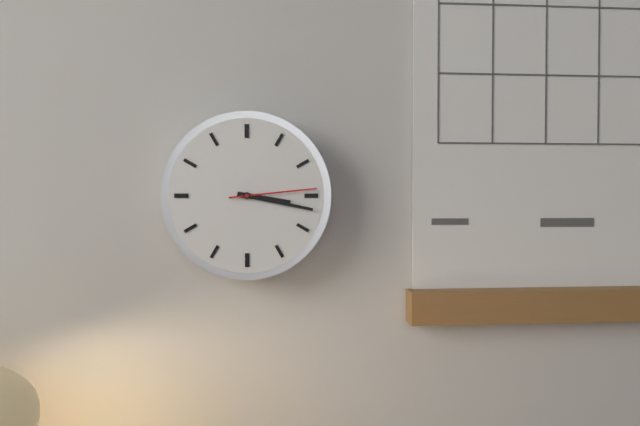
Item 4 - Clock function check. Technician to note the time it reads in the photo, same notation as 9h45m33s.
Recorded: 3h17m14s
